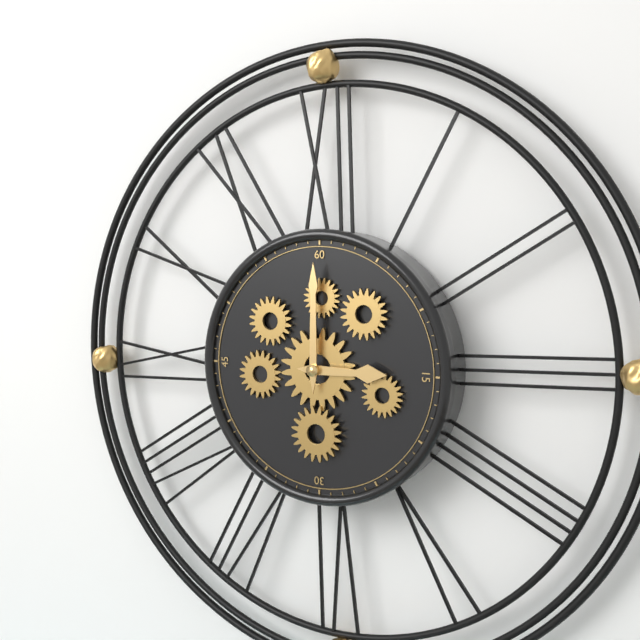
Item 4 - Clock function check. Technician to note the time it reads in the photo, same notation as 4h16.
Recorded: 3h00
